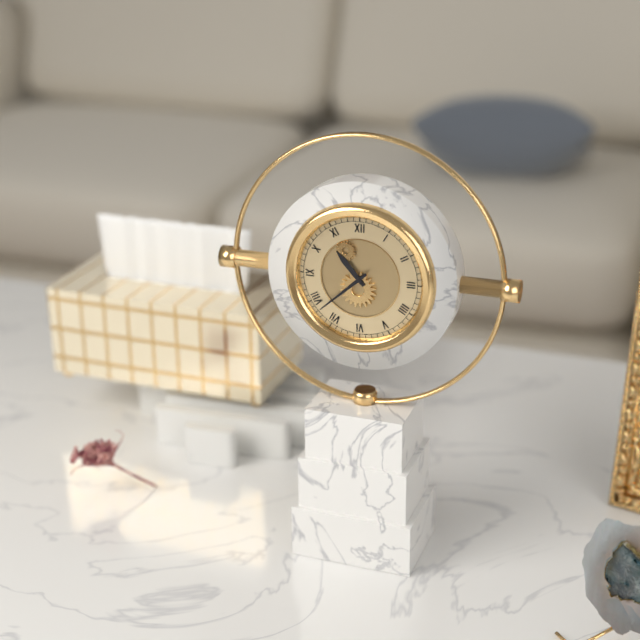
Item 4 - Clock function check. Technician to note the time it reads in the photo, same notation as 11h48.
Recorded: 10h38
